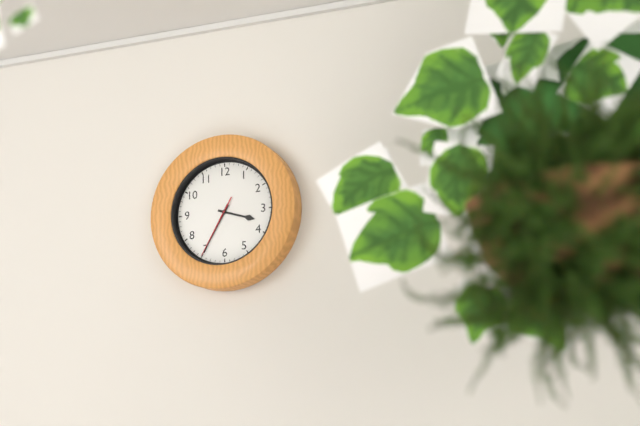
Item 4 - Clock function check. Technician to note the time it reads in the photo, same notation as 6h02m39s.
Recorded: 3h35m35s
